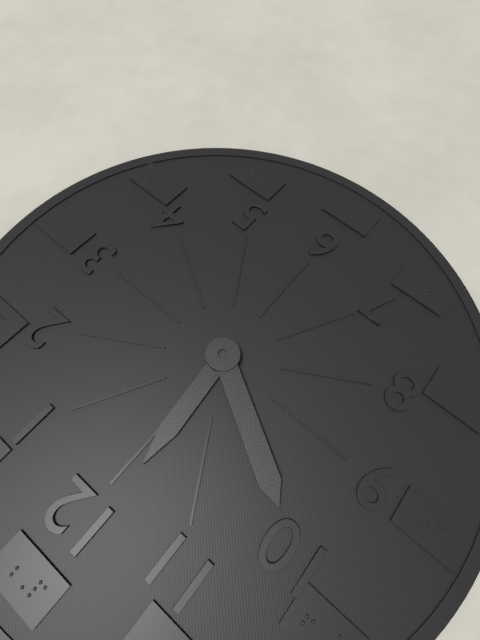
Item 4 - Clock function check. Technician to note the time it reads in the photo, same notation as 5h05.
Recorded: 11h50
